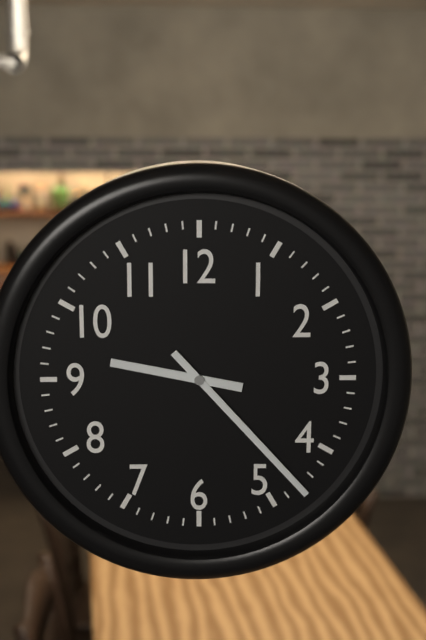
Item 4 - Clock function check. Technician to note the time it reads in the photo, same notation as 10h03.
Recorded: 9h23
